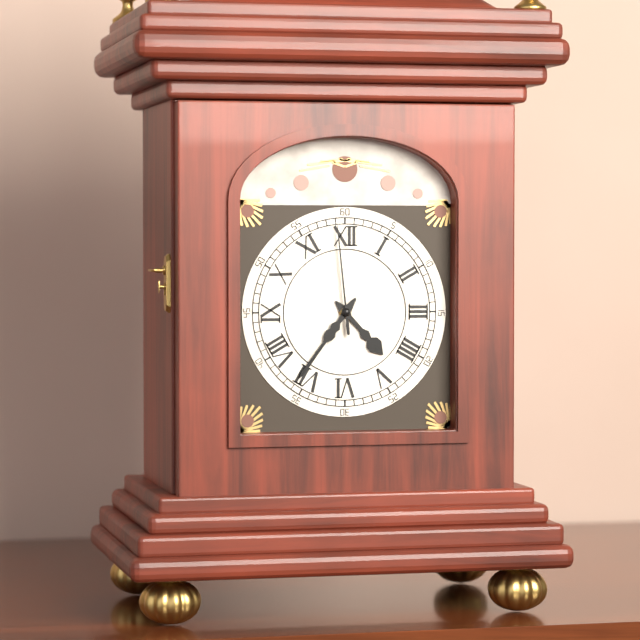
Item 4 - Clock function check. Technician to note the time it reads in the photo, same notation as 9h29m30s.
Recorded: 4h36m59s
